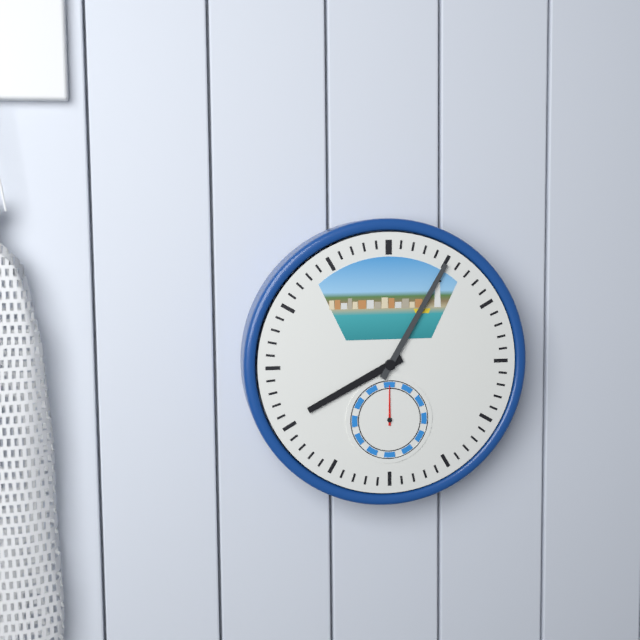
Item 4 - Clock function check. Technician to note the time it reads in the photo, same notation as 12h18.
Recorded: 8h05
